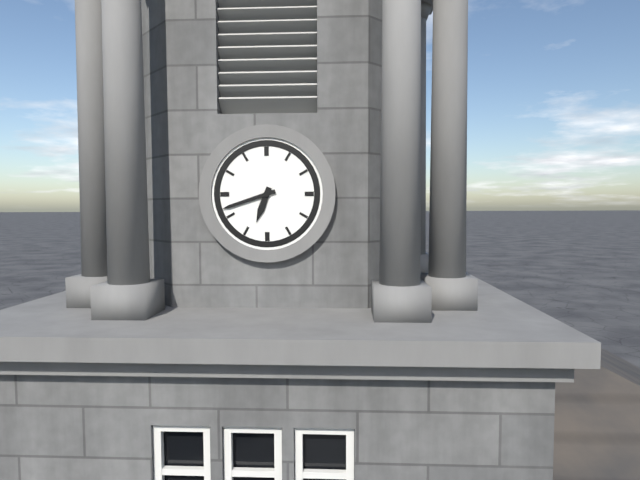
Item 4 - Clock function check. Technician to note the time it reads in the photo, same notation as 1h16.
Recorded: 6h42
